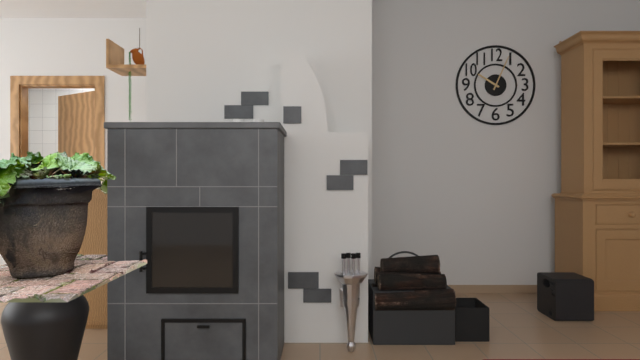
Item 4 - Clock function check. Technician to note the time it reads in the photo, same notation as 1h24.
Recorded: 10h04
